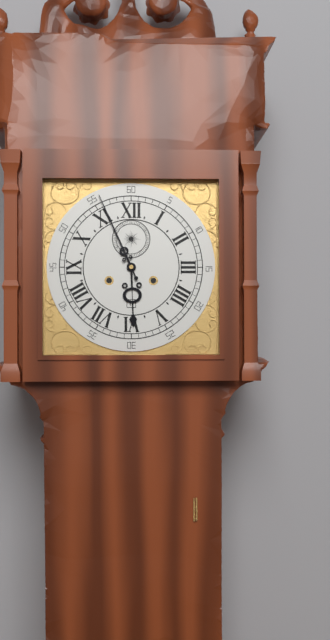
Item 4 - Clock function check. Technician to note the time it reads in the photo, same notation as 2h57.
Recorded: 5h56
